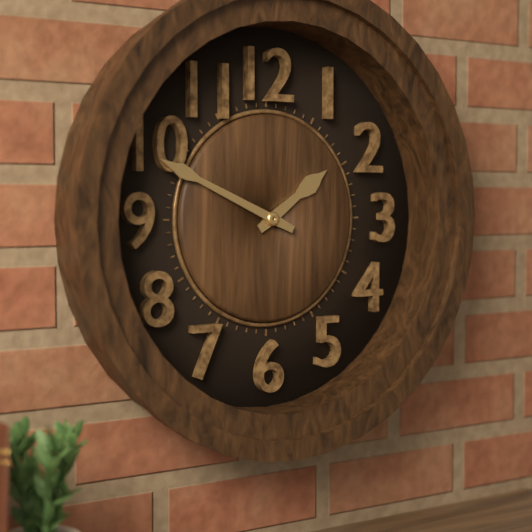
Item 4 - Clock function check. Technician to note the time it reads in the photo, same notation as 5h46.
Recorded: 1h49
